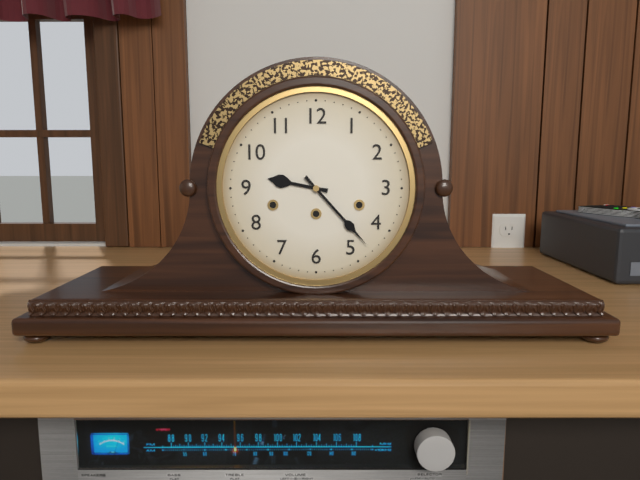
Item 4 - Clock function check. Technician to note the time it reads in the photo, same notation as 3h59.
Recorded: 9h23
